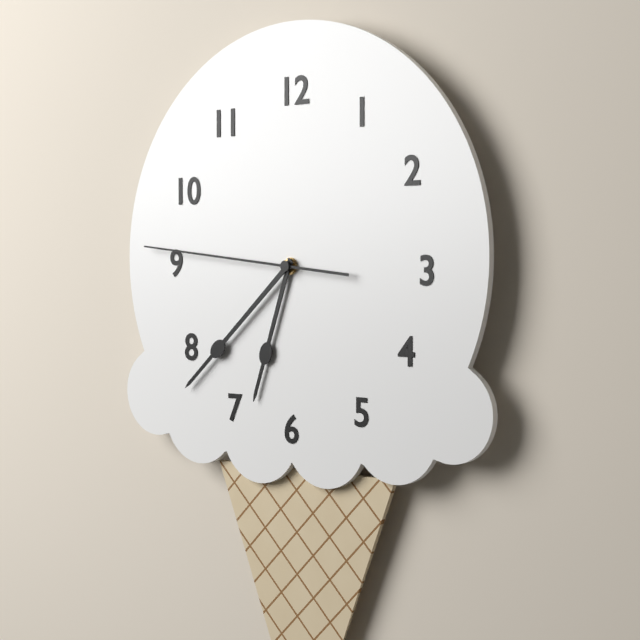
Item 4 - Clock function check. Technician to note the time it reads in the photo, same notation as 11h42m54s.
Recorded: 6h38m46s
